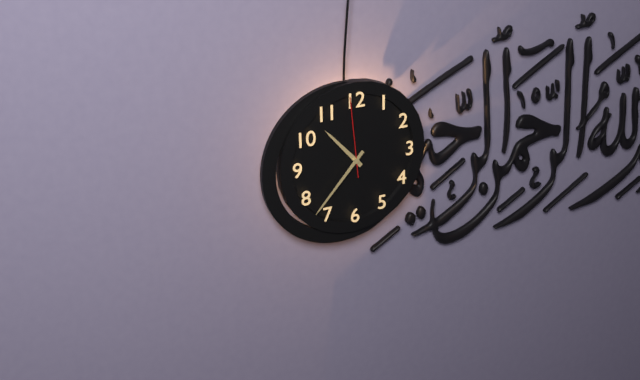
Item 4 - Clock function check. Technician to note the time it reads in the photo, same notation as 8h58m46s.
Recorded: 10h37m59s
